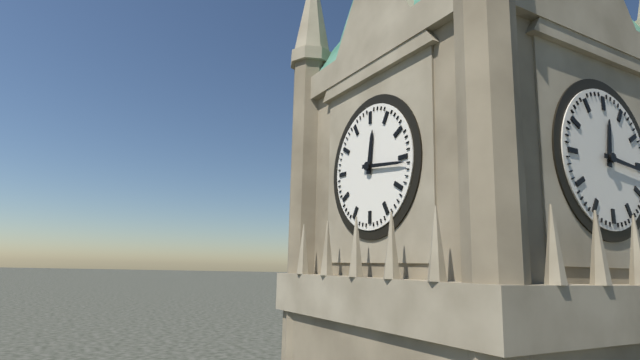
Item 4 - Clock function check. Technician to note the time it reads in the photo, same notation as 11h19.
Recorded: 12h16
